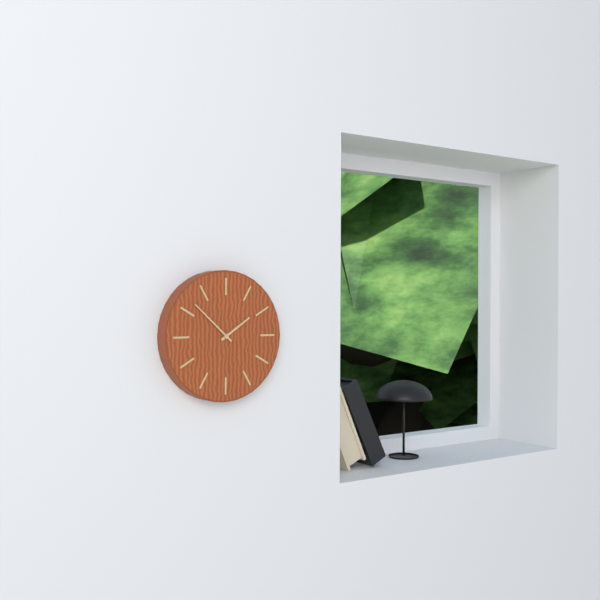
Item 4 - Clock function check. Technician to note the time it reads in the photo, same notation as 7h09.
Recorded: 1h52
